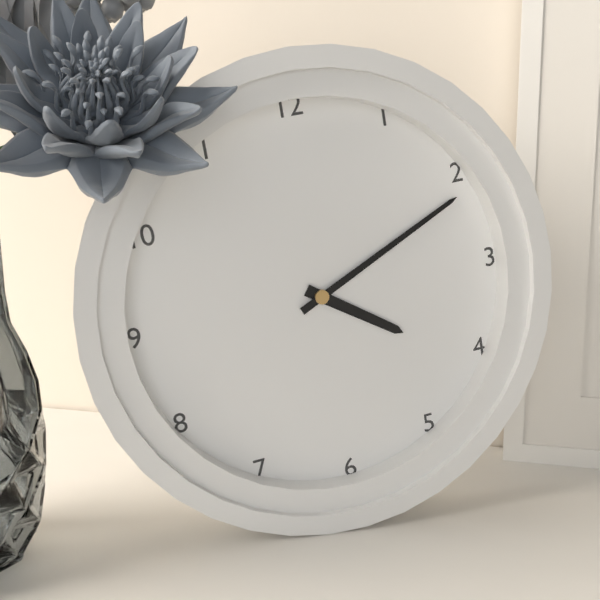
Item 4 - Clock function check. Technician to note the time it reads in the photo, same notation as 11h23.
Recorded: 4h11
